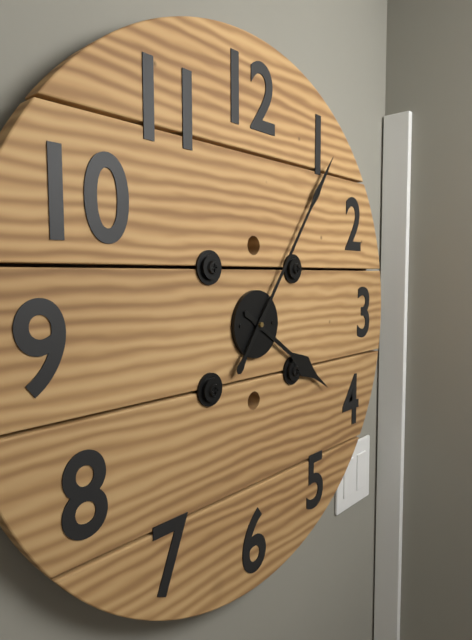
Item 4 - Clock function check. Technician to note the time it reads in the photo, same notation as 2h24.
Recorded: 4h06
